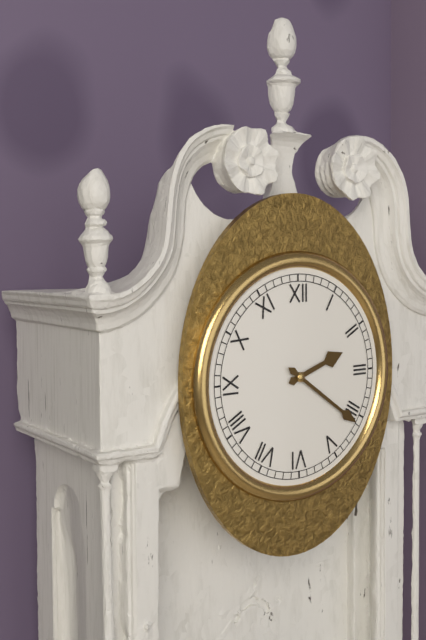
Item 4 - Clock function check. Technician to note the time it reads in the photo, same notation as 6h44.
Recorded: 2h21
